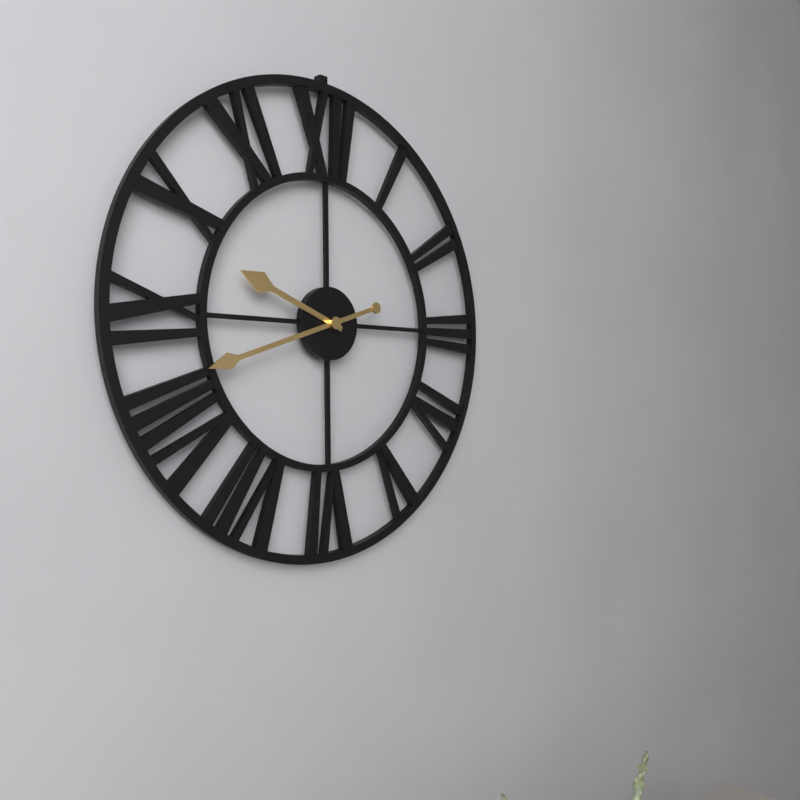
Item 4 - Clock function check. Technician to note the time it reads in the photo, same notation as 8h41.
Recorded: 9h42
